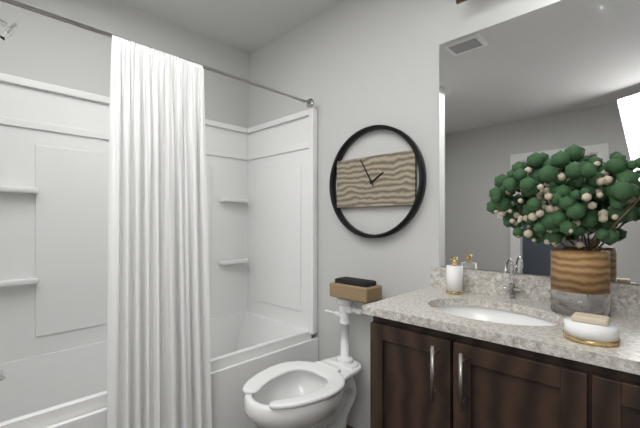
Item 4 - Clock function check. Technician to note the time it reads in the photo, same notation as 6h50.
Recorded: 1h55
